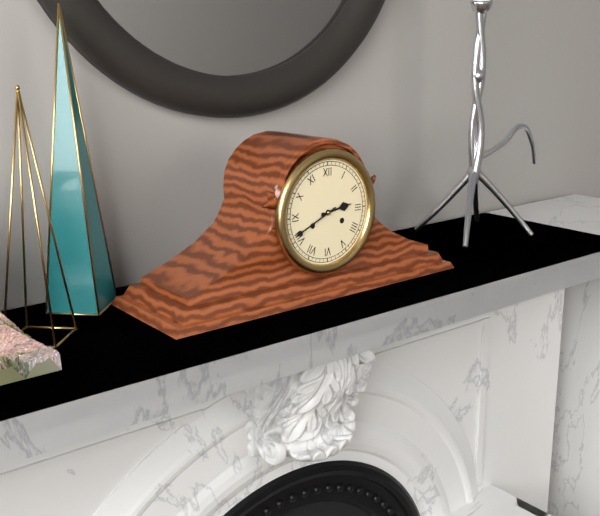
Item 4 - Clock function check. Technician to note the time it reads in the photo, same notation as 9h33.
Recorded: 2h41
